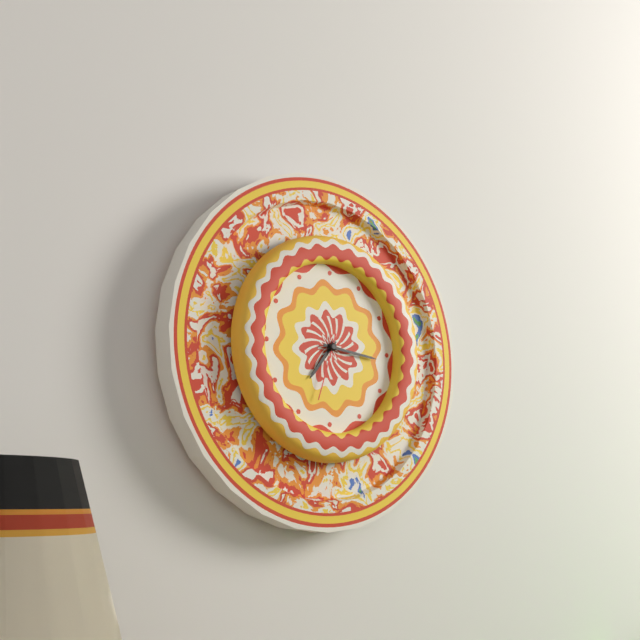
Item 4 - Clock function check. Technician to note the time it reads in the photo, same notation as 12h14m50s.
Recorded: 7h16m33s
